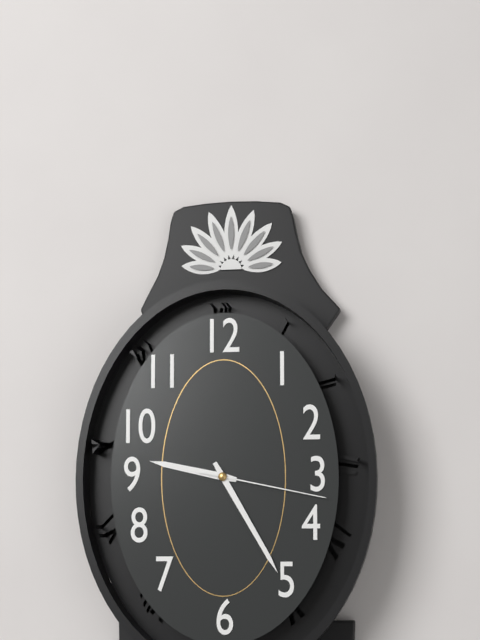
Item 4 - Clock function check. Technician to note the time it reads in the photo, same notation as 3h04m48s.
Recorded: 9h25m17s
